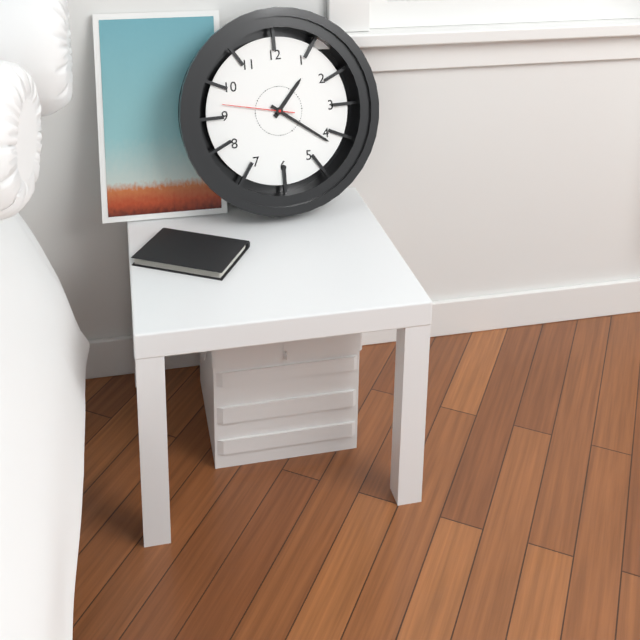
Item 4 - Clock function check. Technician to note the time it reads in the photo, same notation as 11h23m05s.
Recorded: 1h21m47s
